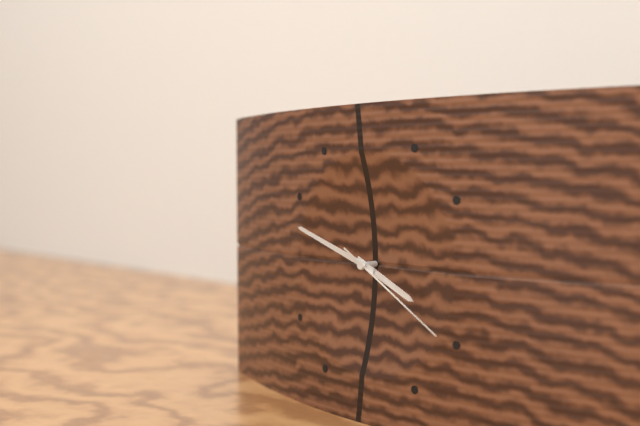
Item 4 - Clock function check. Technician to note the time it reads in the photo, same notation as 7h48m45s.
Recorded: 3h48m20s
